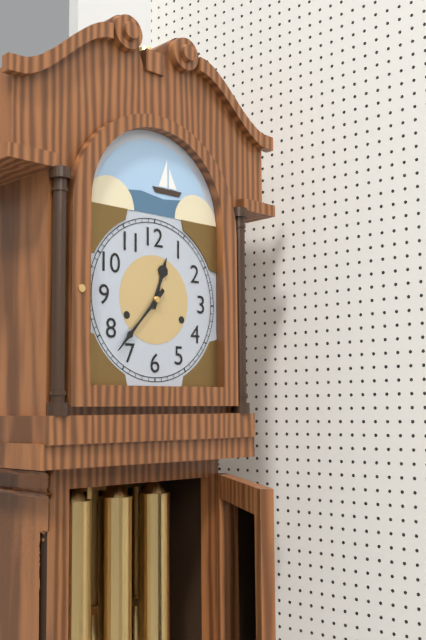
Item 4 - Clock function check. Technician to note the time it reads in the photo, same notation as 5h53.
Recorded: 12h37
